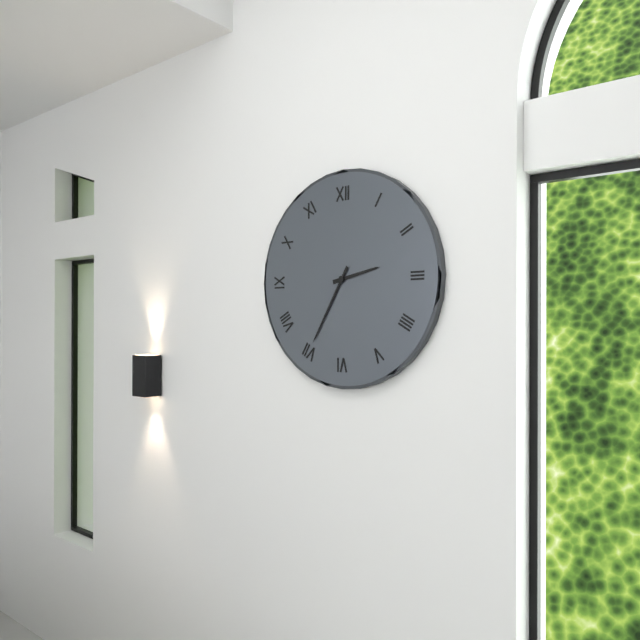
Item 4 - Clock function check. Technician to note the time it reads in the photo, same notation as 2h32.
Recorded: 2h35
